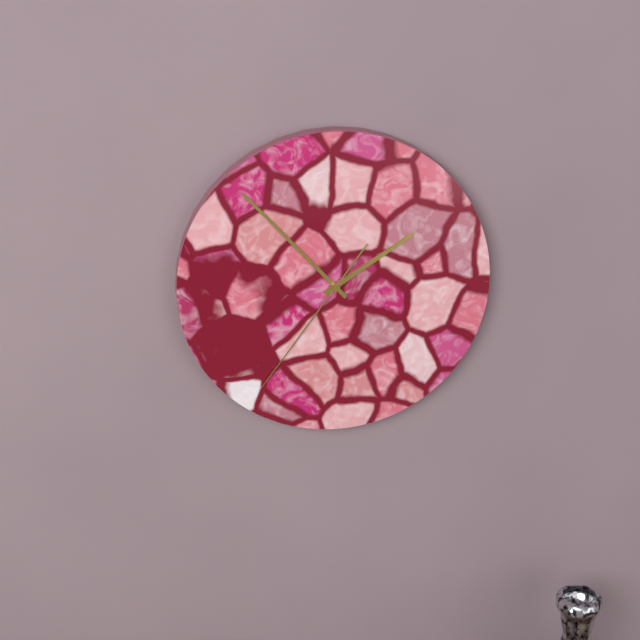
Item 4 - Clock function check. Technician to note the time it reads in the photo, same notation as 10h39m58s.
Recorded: 1h53m36s
